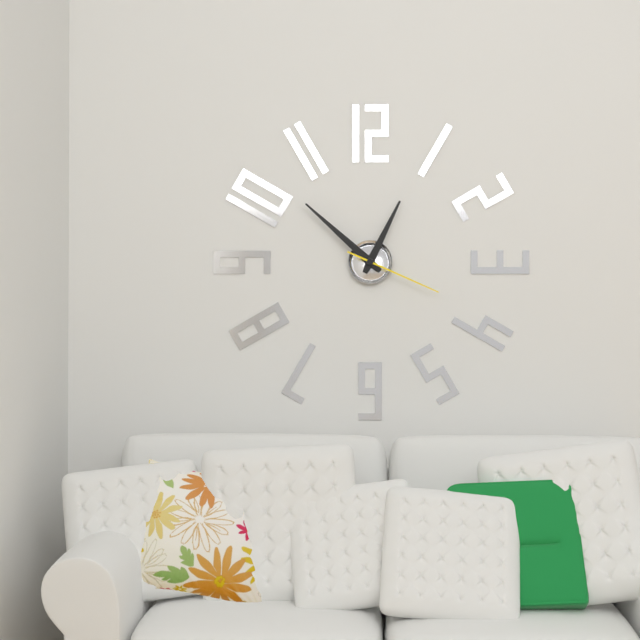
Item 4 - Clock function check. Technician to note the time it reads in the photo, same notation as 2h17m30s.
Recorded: 12h52m19s
